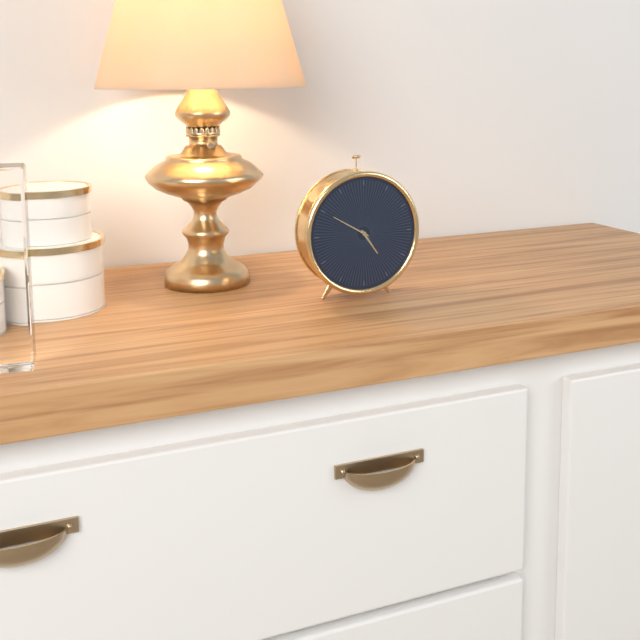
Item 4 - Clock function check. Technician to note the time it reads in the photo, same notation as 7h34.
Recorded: 4h50
